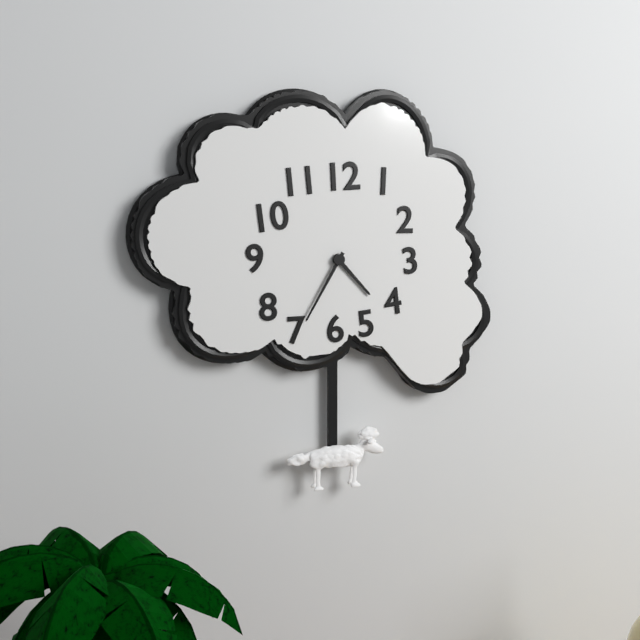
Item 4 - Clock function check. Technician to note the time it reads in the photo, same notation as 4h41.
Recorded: 4h35
